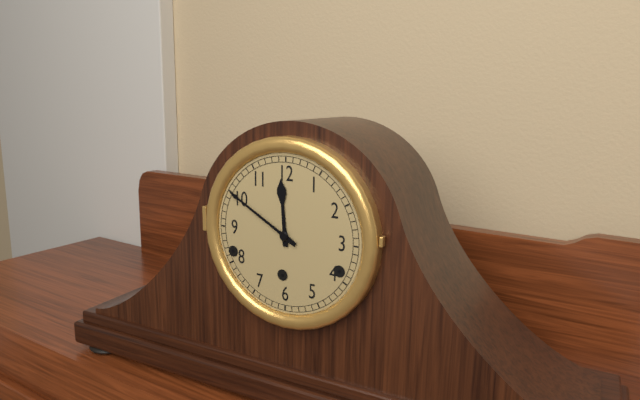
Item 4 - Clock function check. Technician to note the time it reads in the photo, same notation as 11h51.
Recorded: 11h50
